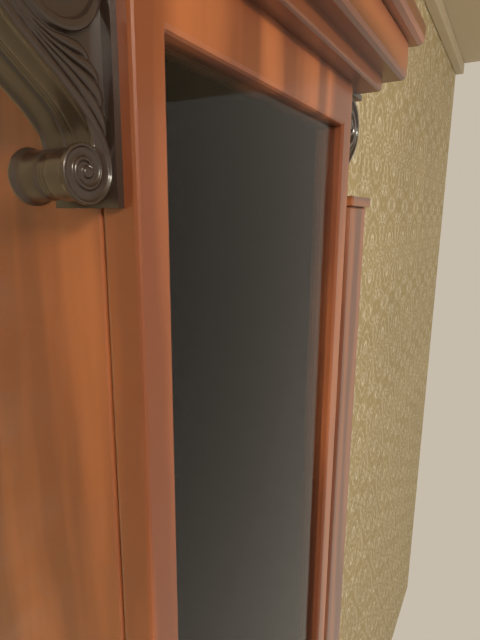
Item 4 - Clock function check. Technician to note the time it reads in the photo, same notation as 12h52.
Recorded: 1h30
